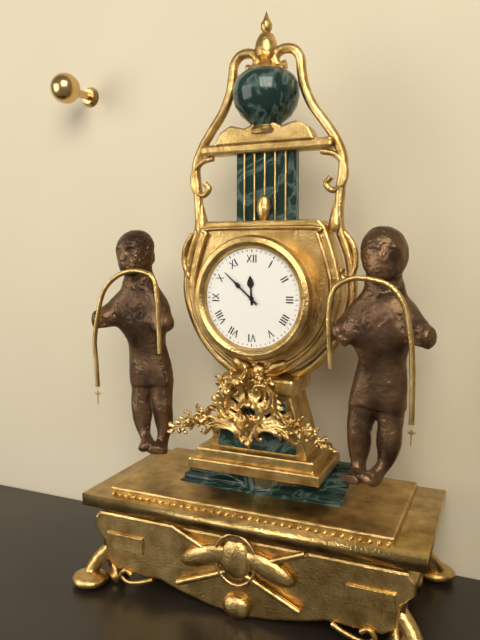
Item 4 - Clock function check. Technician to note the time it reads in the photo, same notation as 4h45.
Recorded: 11h52
